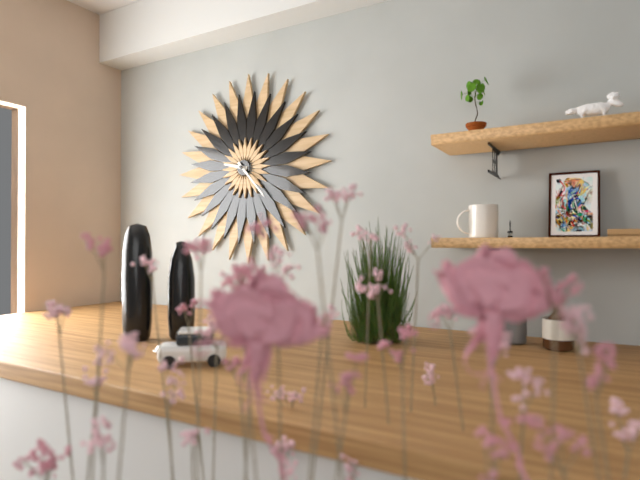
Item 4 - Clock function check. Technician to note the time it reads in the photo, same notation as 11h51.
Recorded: 9h23
